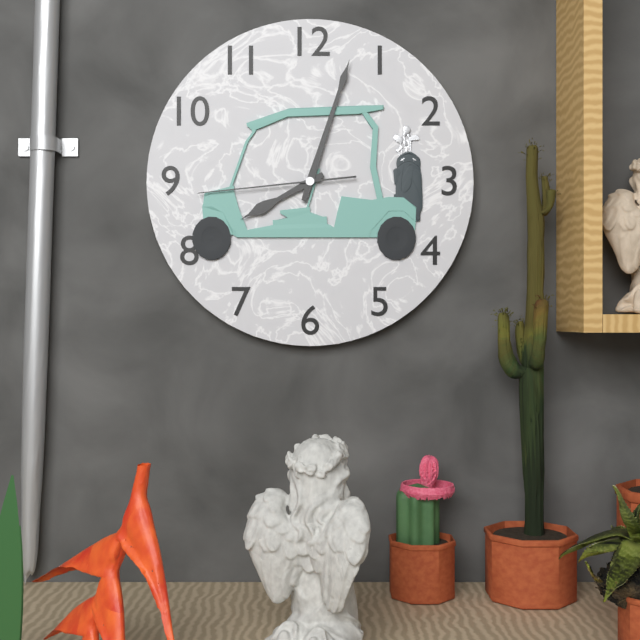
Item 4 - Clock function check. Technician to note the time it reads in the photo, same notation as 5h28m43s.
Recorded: 8h03m44s
